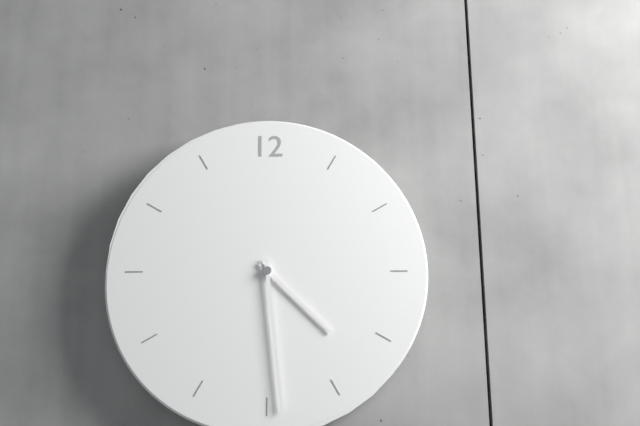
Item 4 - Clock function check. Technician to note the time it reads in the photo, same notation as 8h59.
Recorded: 4h29
